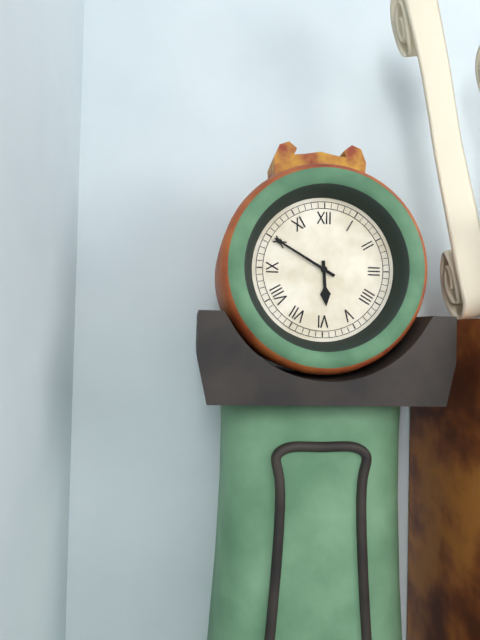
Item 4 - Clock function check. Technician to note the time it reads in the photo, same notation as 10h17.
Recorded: 5h50
